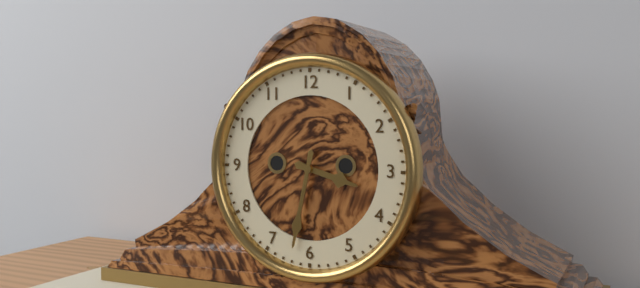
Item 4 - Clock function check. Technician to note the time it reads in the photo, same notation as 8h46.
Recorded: 3h32
